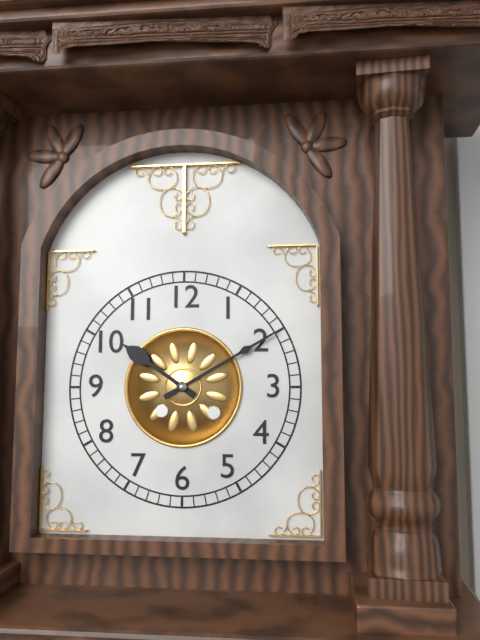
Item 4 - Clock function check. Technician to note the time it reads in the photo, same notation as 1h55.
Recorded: 10h10
